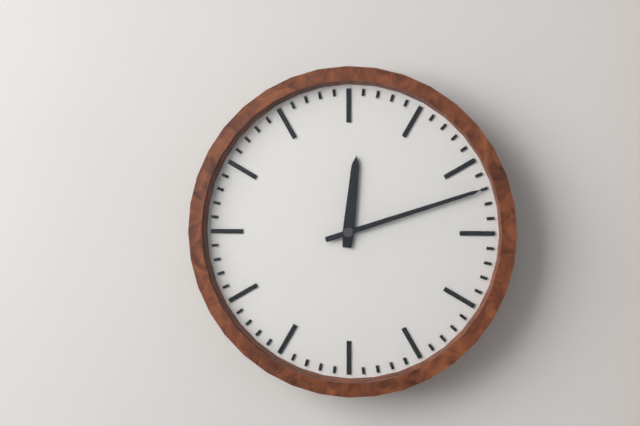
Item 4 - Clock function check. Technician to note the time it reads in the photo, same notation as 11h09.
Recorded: 12h12
